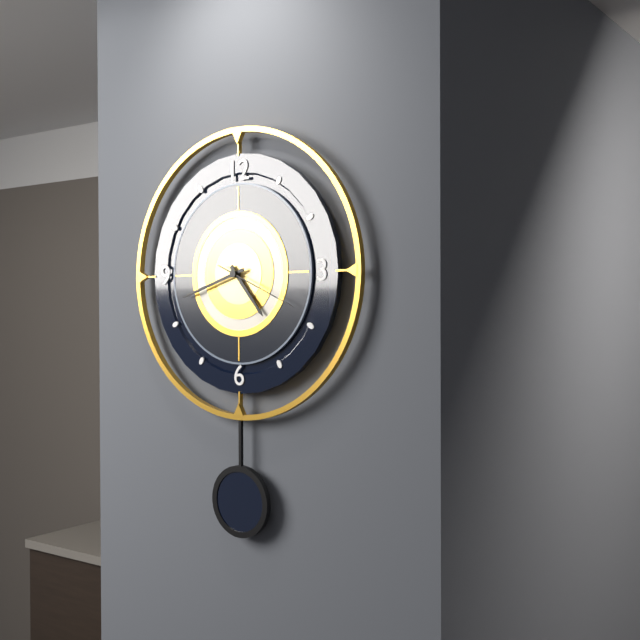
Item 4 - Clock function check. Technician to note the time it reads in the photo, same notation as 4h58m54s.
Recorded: 4h42m19s
